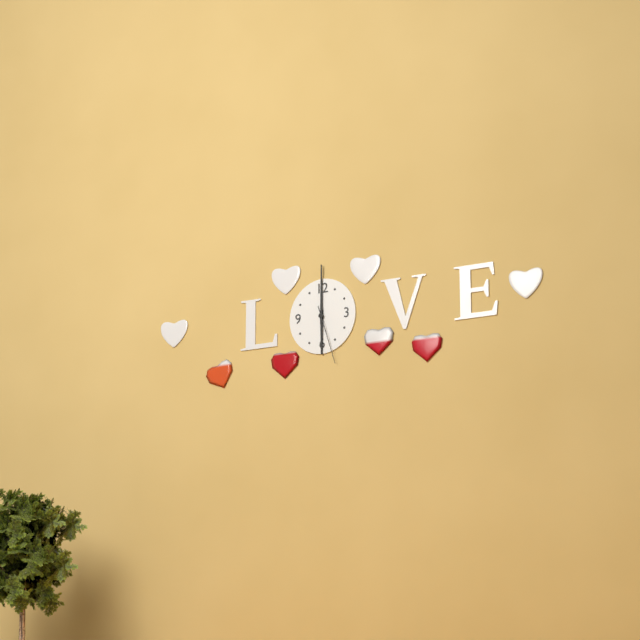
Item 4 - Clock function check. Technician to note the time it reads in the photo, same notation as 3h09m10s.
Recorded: 6h00m27s
